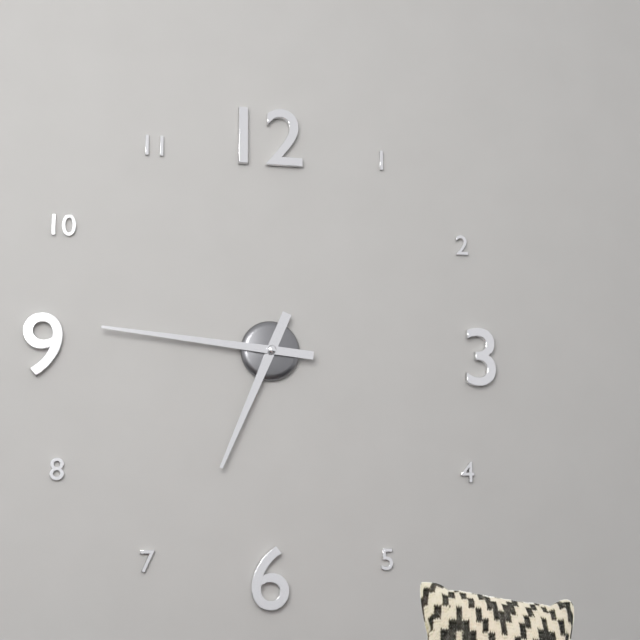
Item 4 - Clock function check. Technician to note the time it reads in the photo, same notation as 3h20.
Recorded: 6h46
